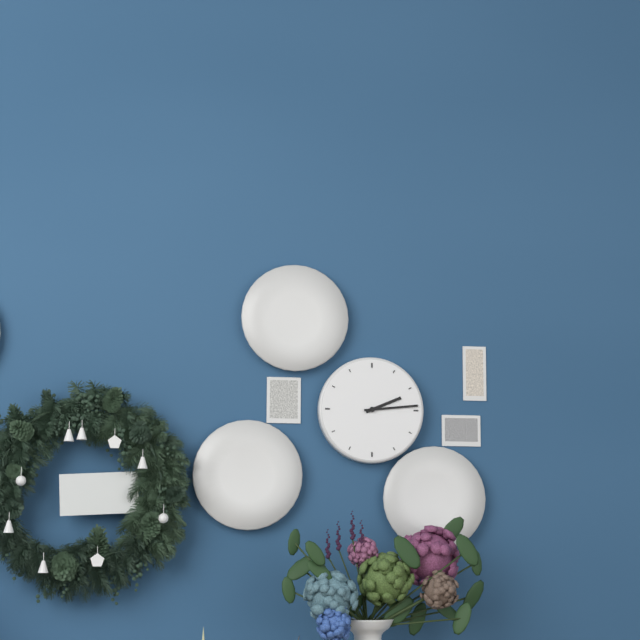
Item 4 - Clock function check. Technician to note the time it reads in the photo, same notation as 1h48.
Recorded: 2h14
